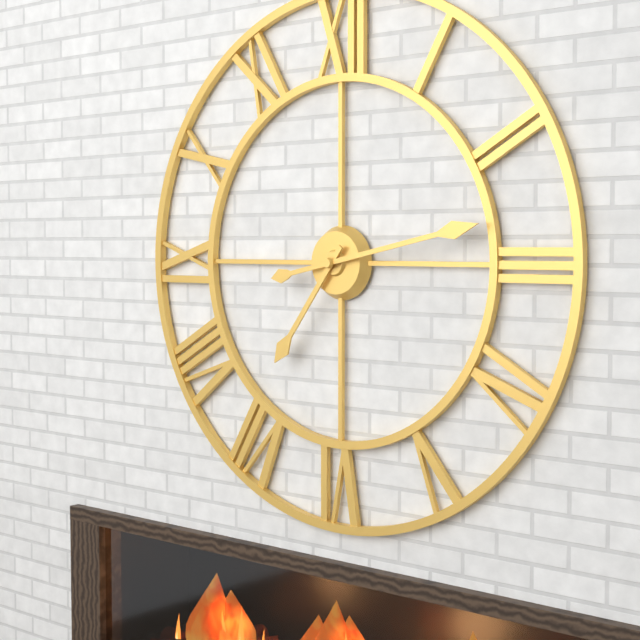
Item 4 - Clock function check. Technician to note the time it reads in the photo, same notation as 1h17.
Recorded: 7h13
